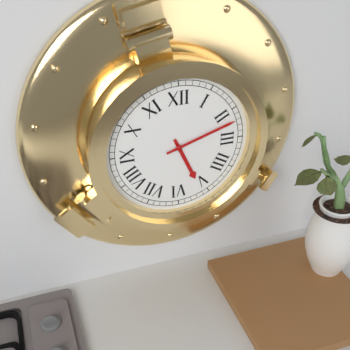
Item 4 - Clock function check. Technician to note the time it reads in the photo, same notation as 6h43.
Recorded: 5h12
